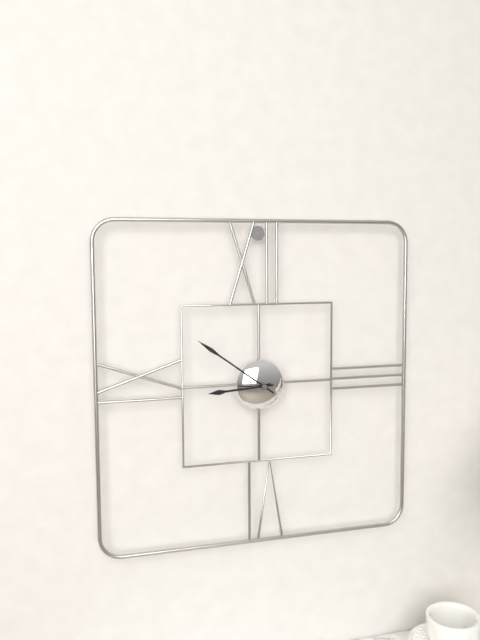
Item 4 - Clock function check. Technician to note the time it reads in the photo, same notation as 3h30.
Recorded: 8h51
